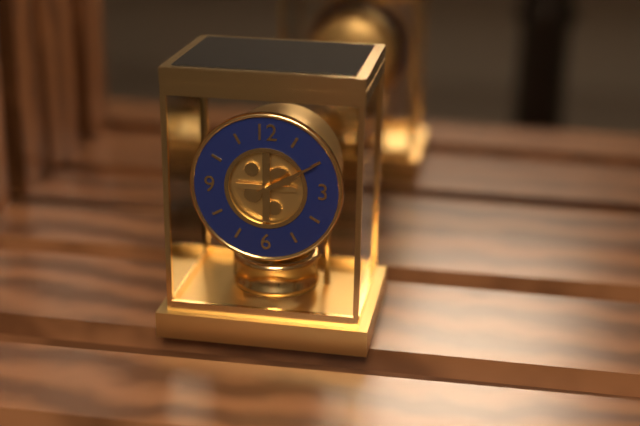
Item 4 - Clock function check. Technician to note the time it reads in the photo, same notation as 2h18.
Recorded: 2h10
